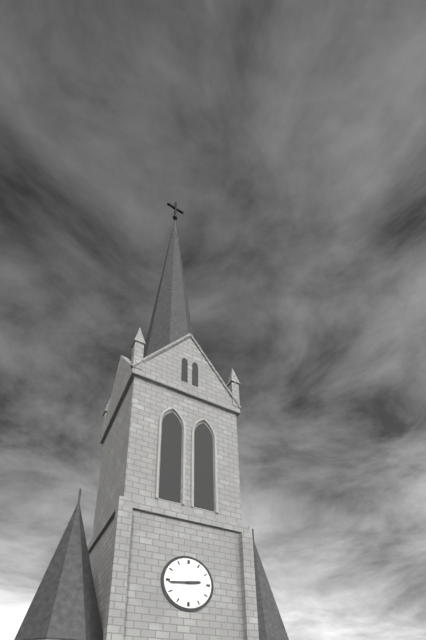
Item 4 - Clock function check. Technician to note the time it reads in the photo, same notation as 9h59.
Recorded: 2h44
